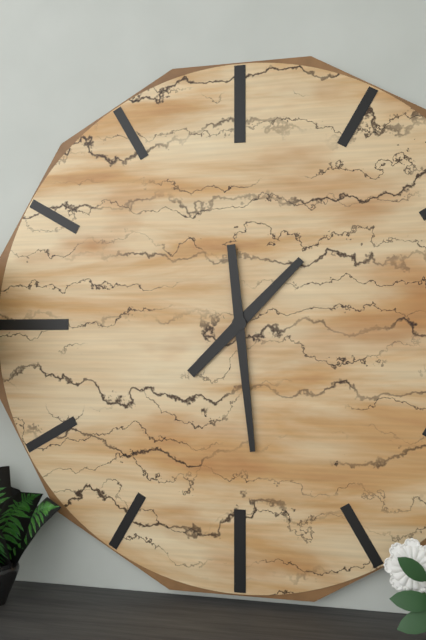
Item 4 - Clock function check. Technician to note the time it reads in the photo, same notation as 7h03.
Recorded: 1h29
